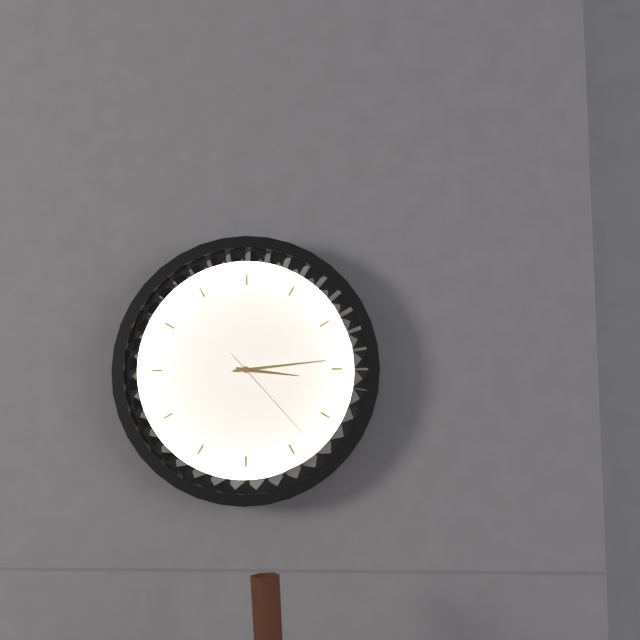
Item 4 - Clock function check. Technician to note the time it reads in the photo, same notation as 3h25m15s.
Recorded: 3h14m23s
